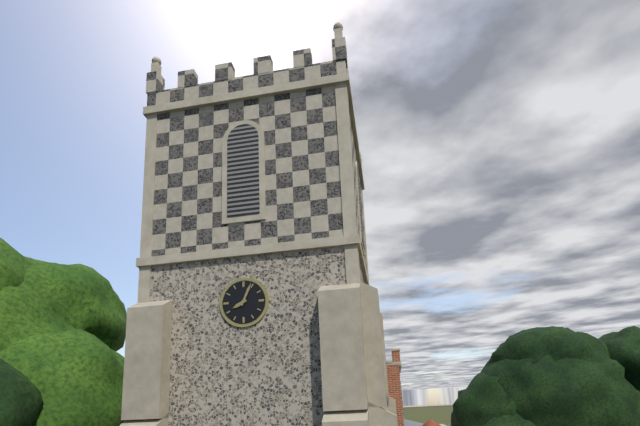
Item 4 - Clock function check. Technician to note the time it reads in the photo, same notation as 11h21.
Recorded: 8h04
